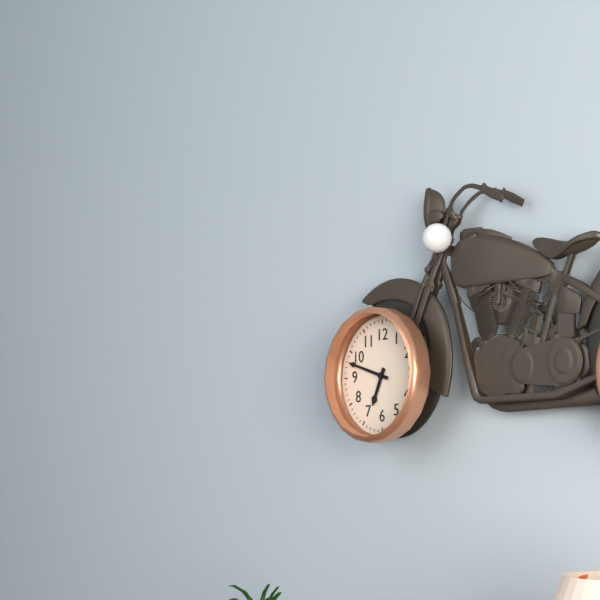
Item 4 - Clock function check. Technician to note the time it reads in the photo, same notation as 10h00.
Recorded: 6h48
